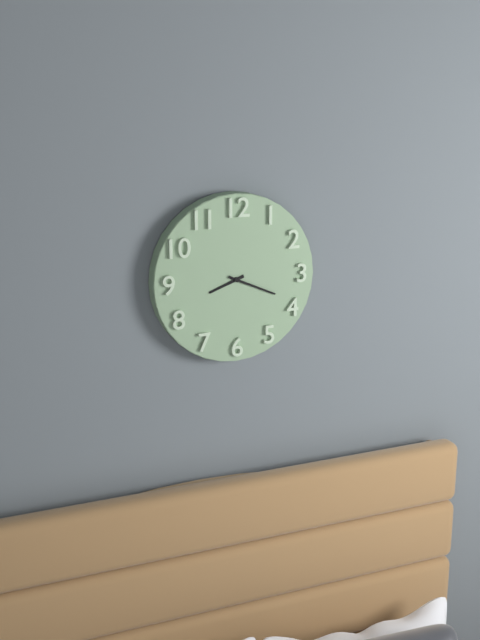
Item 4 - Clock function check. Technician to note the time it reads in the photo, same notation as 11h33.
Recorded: 8h19
